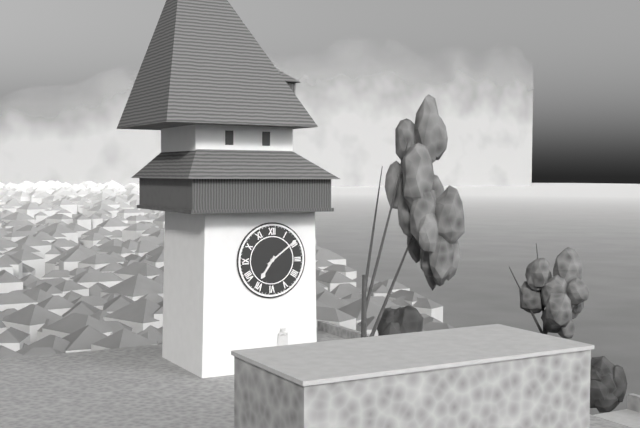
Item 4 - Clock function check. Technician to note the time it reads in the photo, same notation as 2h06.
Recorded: 7h09
